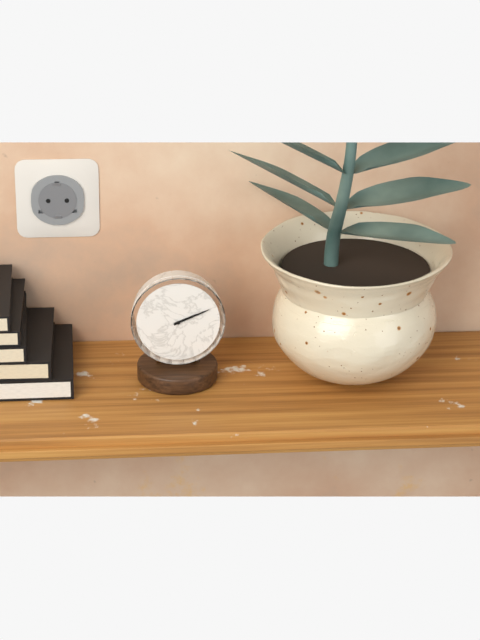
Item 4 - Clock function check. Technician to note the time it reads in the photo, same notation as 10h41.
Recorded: 2h11
